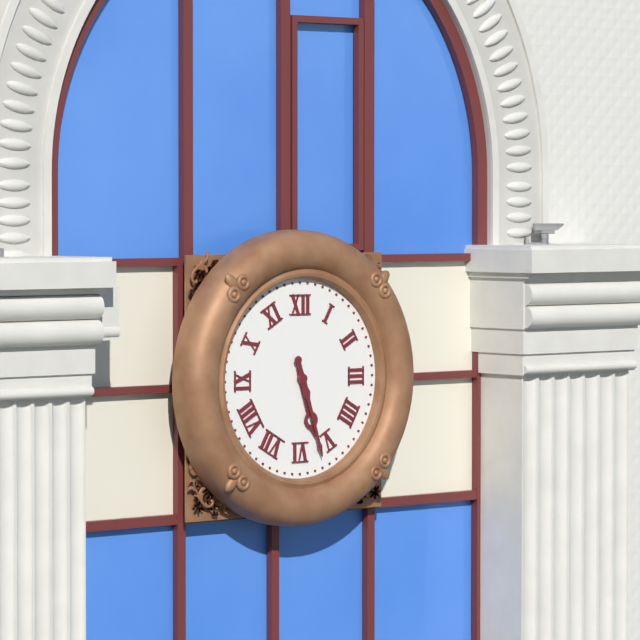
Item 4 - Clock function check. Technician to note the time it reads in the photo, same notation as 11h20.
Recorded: 5h27
